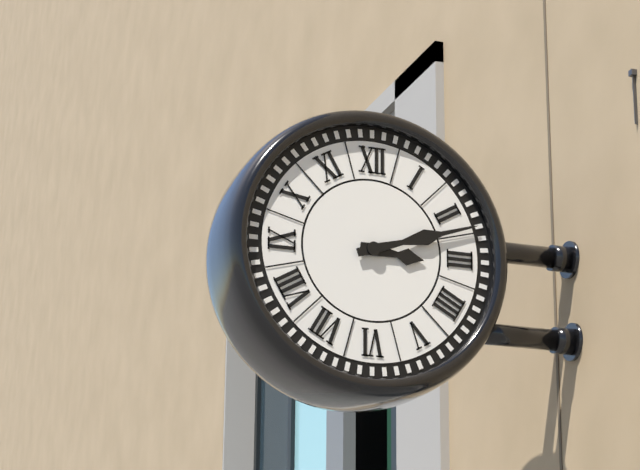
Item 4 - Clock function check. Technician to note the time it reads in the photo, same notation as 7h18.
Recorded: 3h12
